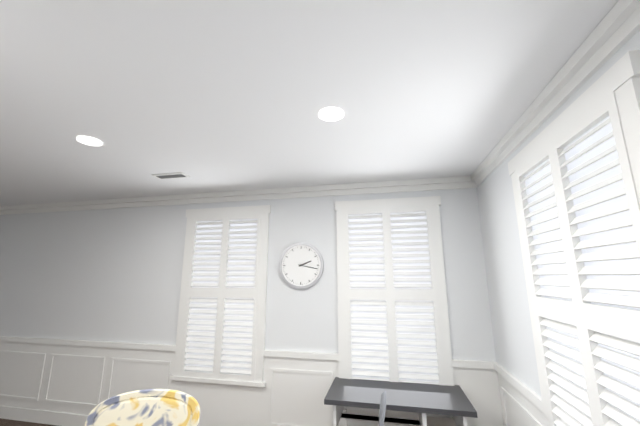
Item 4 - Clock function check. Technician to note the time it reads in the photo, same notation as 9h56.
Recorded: 2h17
